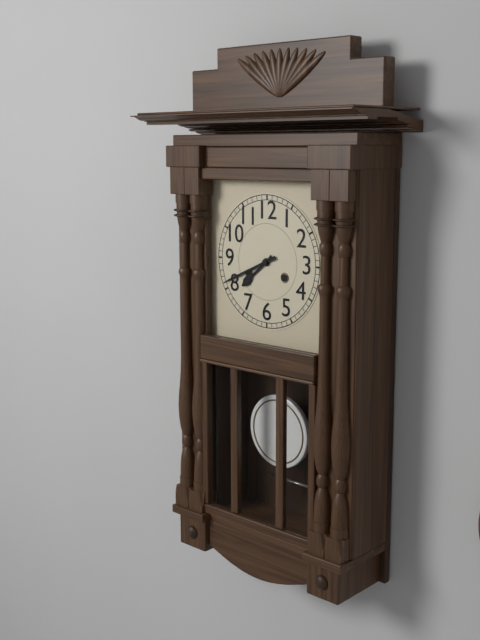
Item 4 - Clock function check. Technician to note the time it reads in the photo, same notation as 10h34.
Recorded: 7h41
